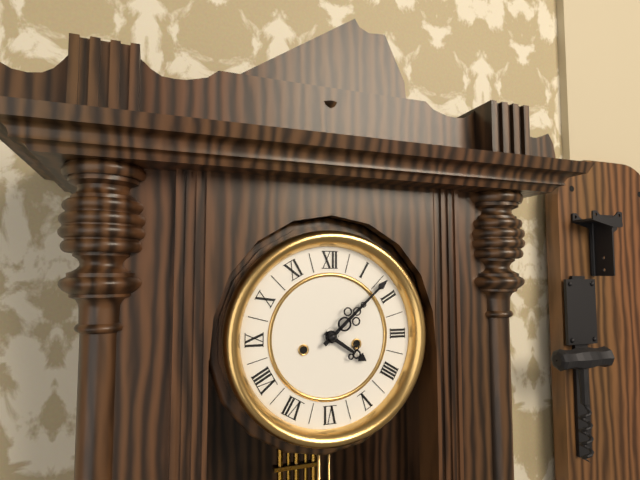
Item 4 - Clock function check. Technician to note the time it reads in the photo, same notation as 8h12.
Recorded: 4h08
